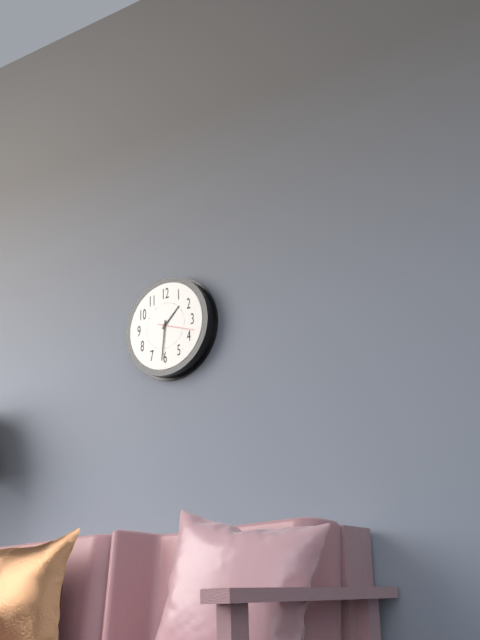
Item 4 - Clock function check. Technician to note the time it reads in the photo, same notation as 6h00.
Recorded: 1h31
